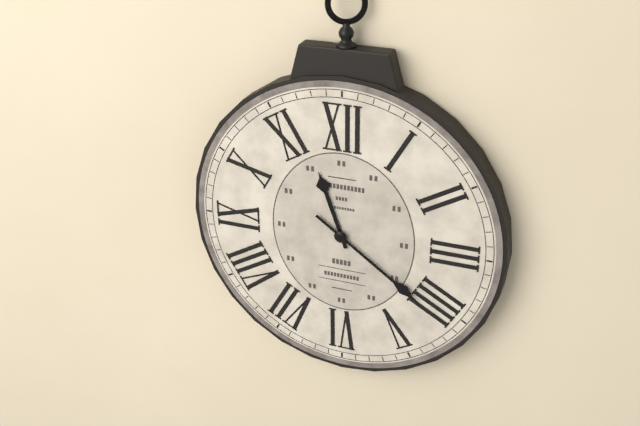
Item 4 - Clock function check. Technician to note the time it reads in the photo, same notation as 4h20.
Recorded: 11h21
